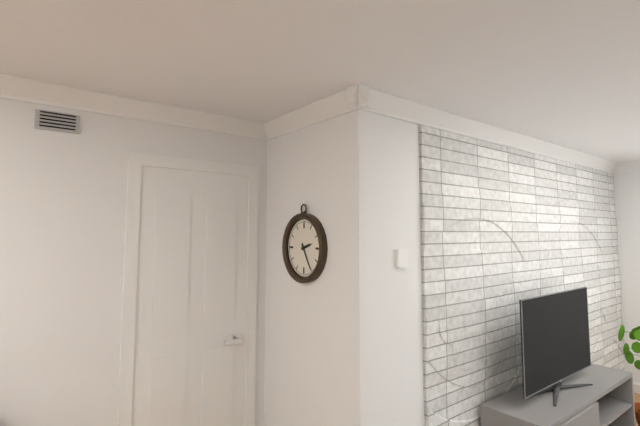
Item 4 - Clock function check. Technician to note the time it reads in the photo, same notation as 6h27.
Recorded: 2h25
